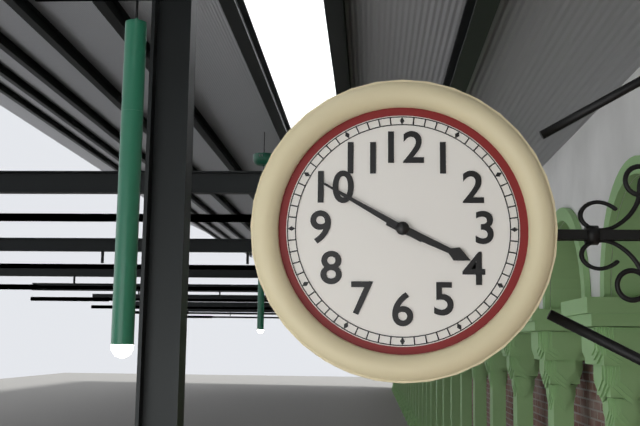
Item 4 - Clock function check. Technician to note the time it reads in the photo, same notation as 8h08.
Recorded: 3h50
